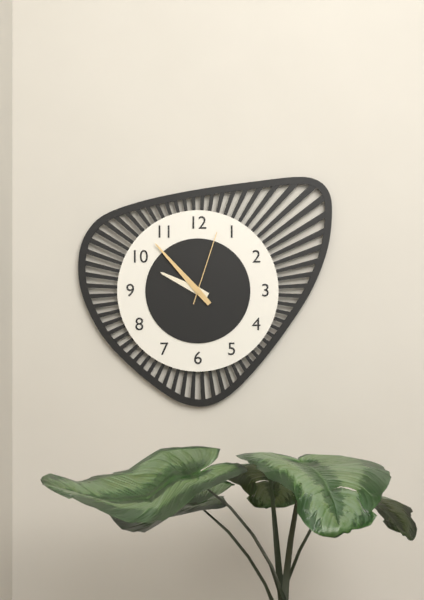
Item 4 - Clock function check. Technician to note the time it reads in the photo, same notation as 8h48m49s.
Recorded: 9h53m03s
